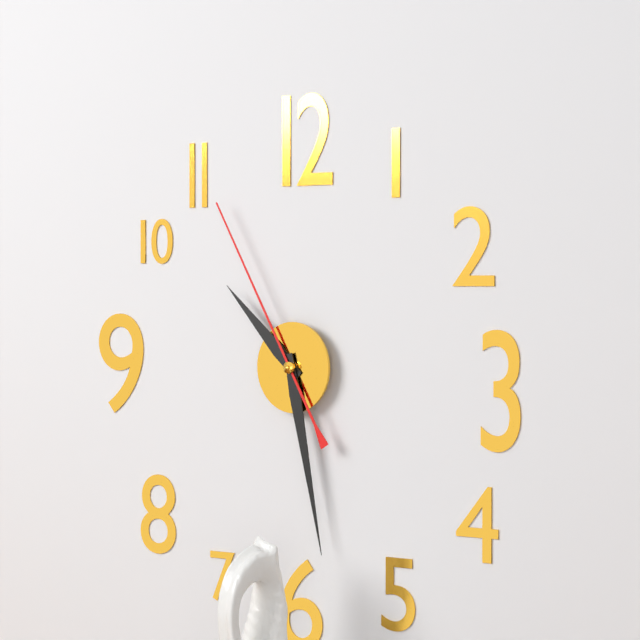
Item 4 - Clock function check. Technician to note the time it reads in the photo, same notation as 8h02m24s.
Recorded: 10h28m55s
